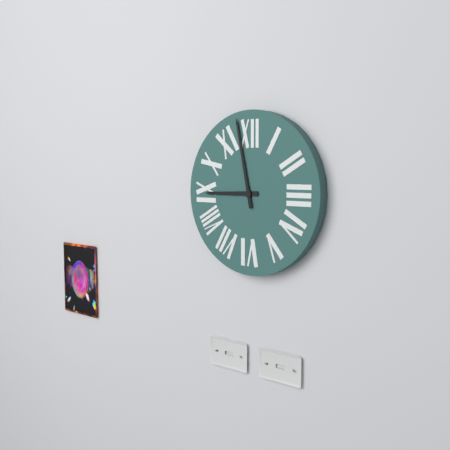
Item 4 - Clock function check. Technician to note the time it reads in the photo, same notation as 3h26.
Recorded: 8h58
